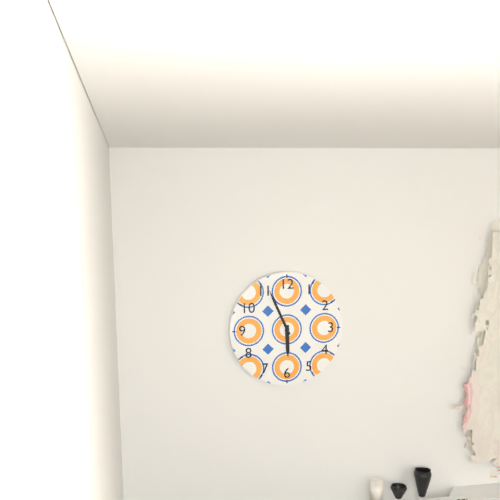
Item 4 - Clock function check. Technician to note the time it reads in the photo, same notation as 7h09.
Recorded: 5h56
